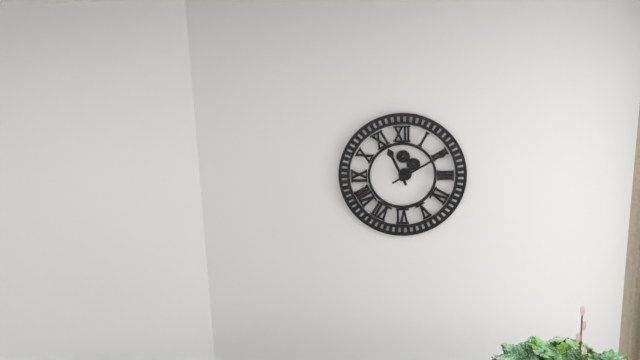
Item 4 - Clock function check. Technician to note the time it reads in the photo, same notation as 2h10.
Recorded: 11h10
